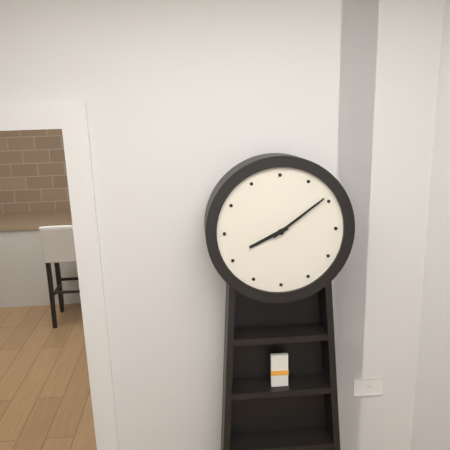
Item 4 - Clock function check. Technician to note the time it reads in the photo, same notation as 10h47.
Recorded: 8h09
